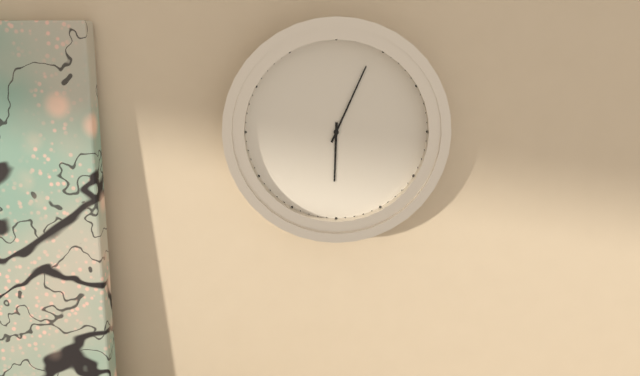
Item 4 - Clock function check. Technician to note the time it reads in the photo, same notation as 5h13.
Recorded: 6h04
